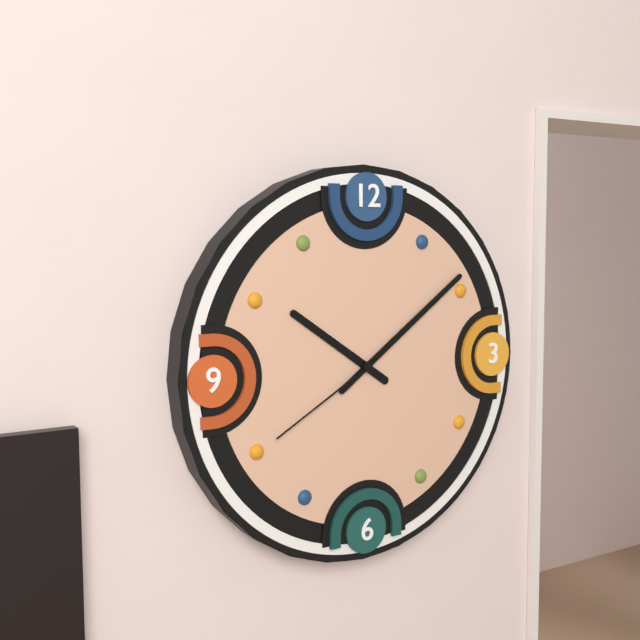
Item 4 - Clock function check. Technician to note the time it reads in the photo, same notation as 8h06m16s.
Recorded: 10h09m40s
